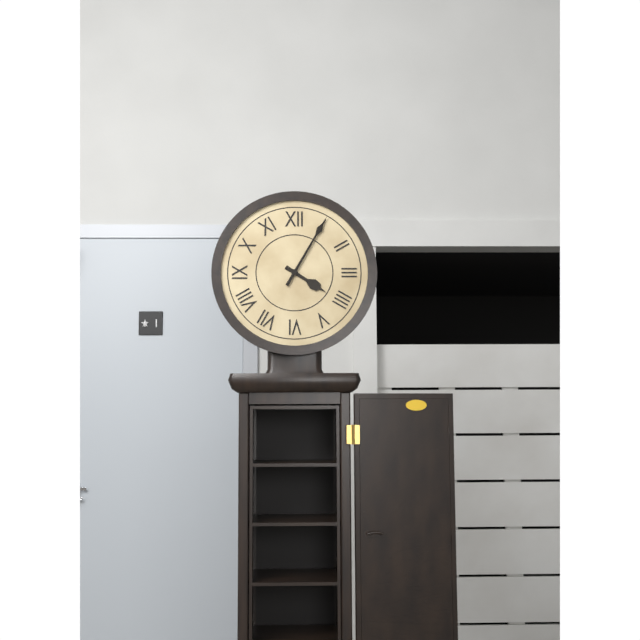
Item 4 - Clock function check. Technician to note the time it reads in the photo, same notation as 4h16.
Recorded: 4h05
